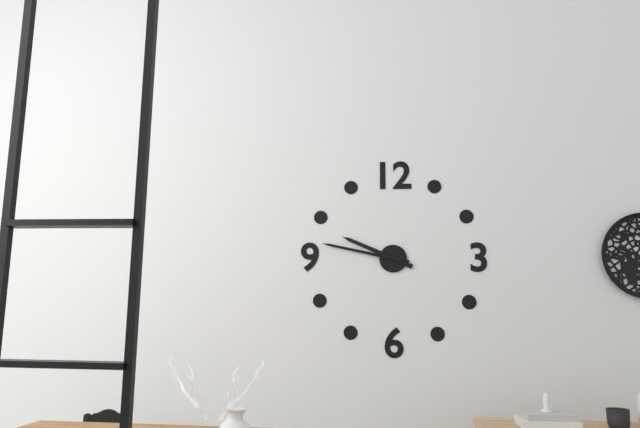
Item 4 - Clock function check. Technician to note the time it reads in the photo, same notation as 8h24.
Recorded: 9h47
